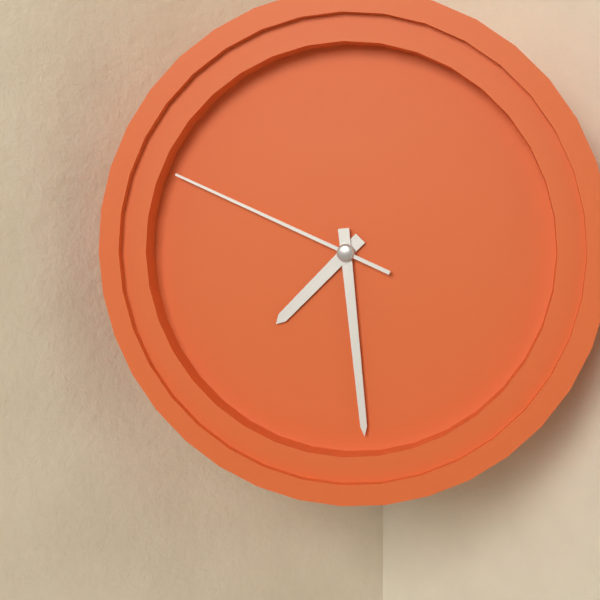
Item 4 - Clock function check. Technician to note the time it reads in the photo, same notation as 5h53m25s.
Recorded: 7h29m49s
